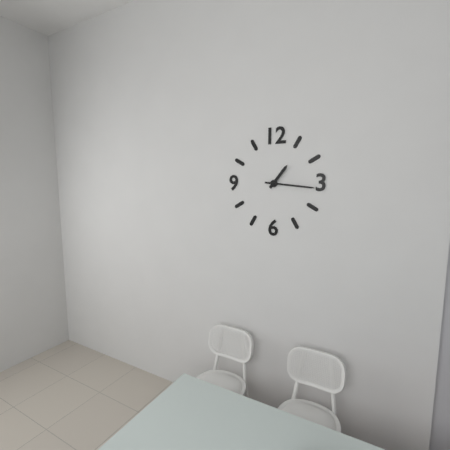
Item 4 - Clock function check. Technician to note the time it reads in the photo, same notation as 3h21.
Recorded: 1h16
